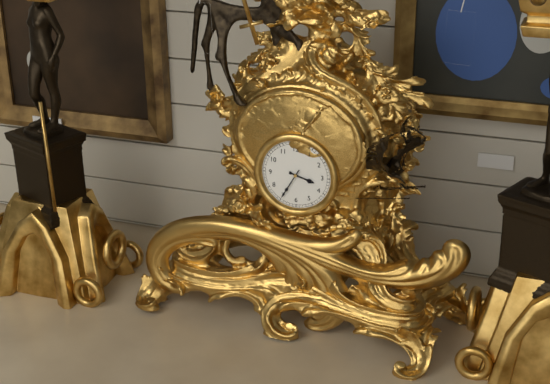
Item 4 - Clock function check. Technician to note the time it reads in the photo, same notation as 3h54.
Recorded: 3h35
